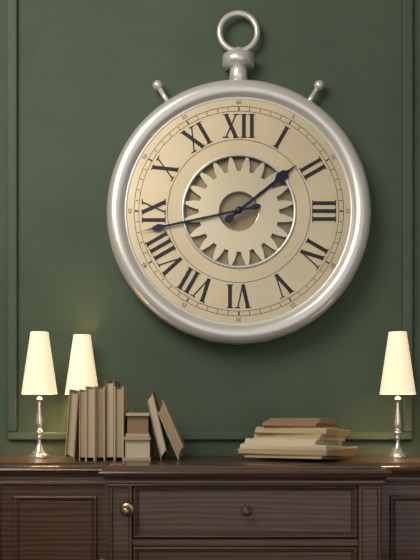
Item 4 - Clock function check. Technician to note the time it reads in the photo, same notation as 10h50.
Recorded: 1h43
